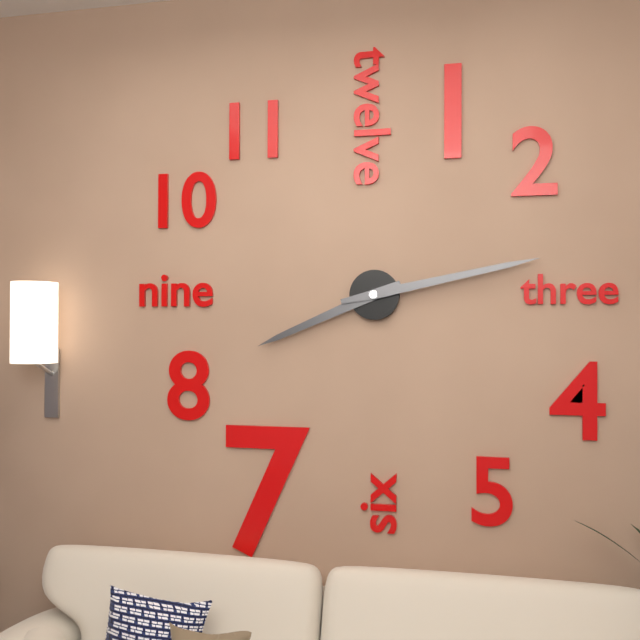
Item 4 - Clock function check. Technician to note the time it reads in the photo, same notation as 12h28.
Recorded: 8h13
